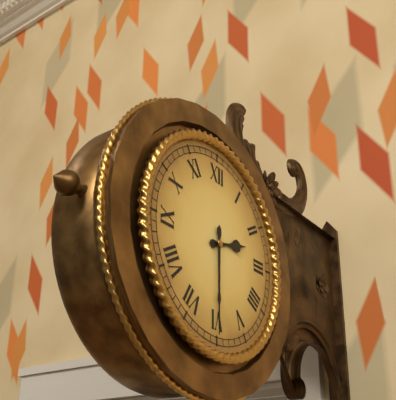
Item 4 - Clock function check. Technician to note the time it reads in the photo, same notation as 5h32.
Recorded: 2h30
